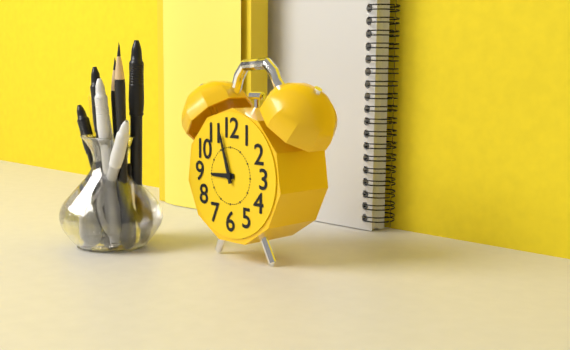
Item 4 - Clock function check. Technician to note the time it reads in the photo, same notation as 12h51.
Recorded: 8h57
